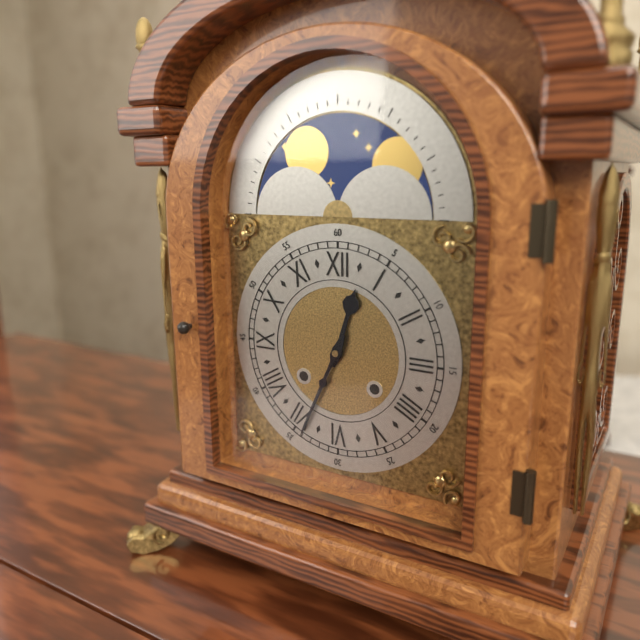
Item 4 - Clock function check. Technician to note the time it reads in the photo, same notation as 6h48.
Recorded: 12h34
